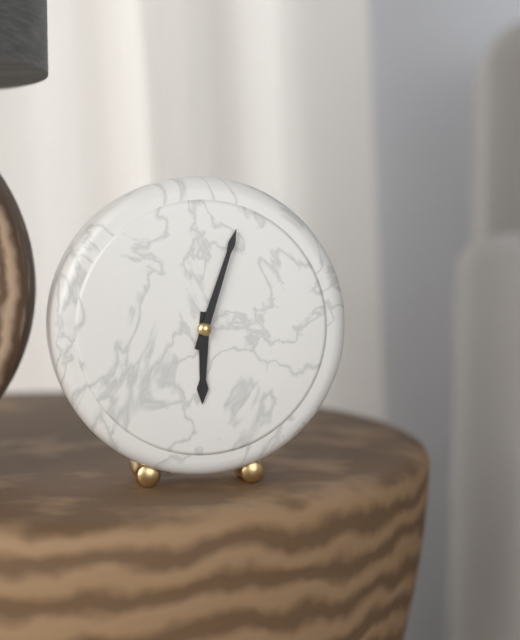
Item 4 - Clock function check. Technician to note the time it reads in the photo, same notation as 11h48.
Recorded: 6h03
